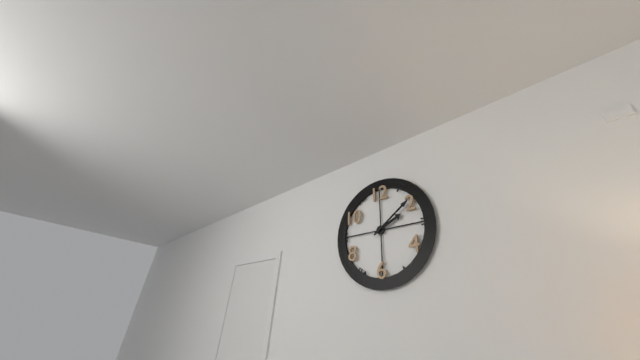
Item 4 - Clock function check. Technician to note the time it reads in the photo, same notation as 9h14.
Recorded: 2h09
